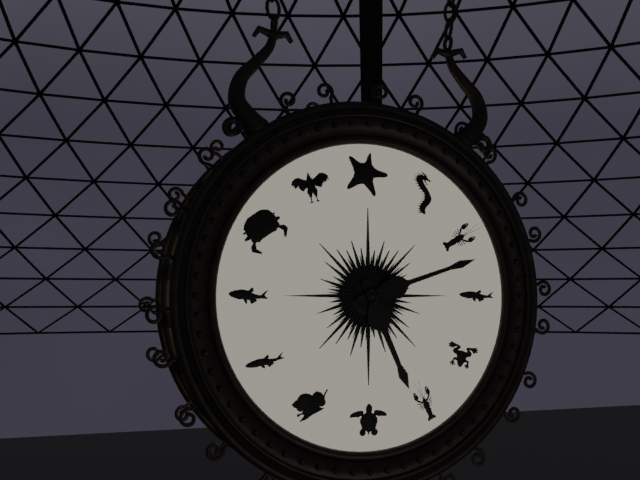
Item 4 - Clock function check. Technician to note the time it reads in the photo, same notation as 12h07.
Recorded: 5h12
